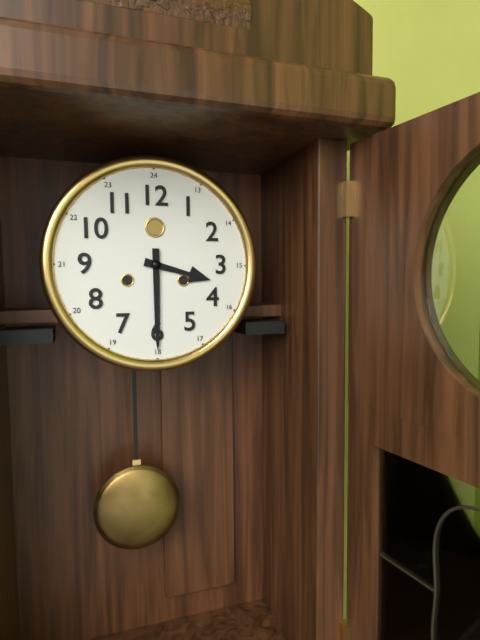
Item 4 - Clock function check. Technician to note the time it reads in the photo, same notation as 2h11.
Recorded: 3h30
